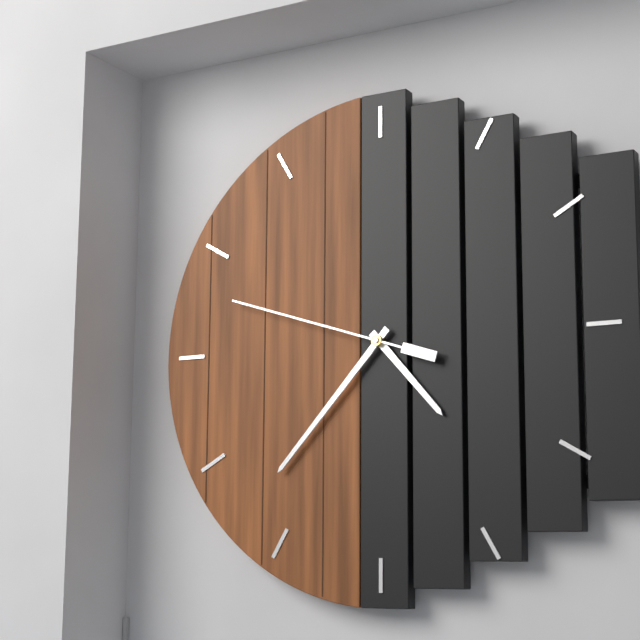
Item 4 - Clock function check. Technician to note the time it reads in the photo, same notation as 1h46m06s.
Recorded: 4h37m48s
